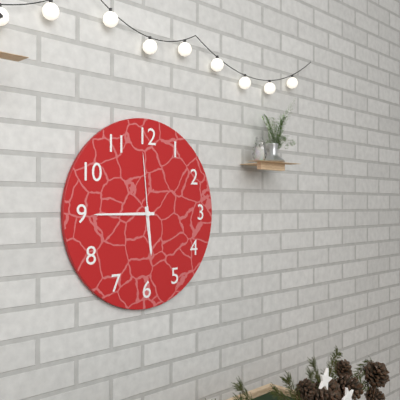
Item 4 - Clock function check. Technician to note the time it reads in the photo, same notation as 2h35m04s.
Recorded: 5h45m59s
